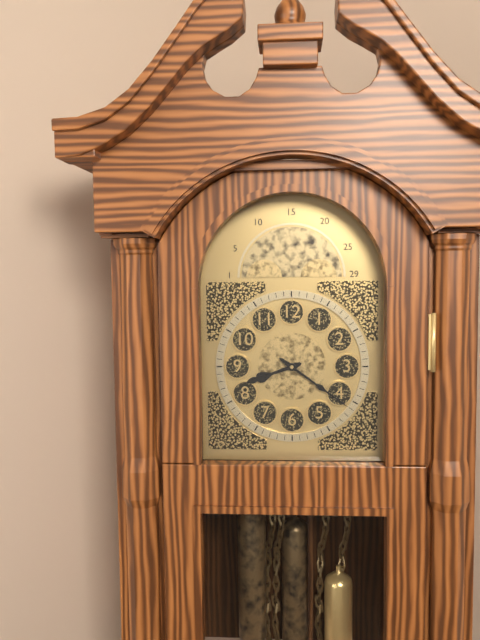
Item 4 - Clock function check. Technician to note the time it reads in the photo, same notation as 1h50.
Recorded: 8h21
